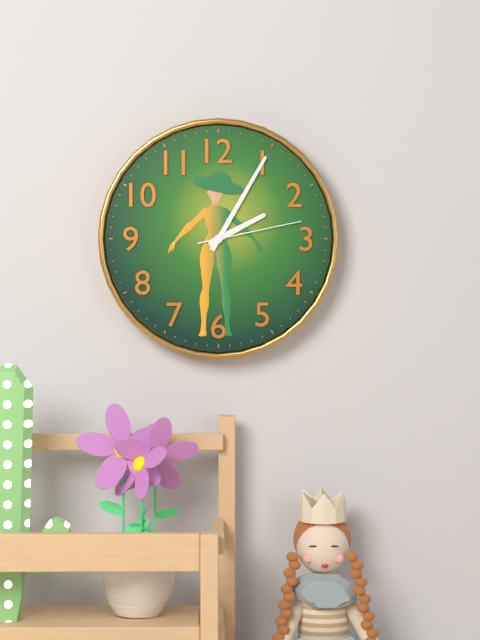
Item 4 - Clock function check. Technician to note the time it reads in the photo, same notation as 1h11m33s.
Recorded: 2h05m13s
